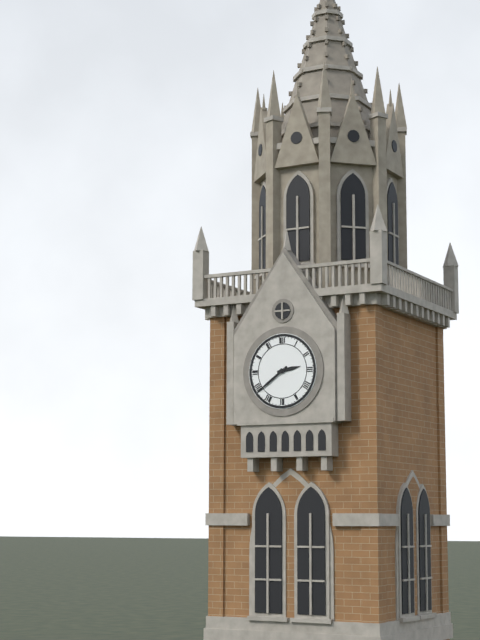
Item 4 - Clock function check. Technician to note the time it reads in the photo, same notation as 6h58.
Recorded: 2h39
